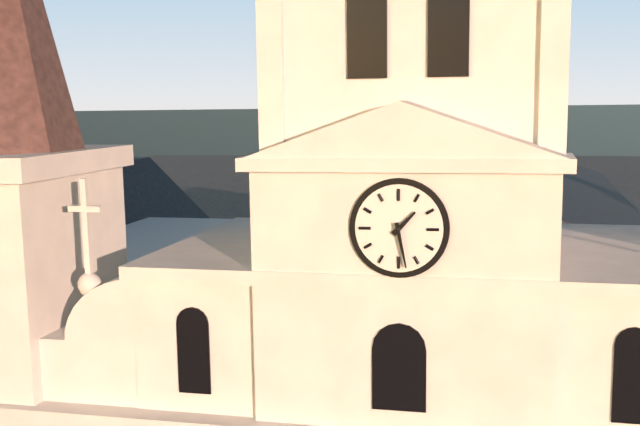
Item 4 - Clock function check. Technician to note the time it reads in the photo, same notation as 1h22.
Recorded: 1h28
